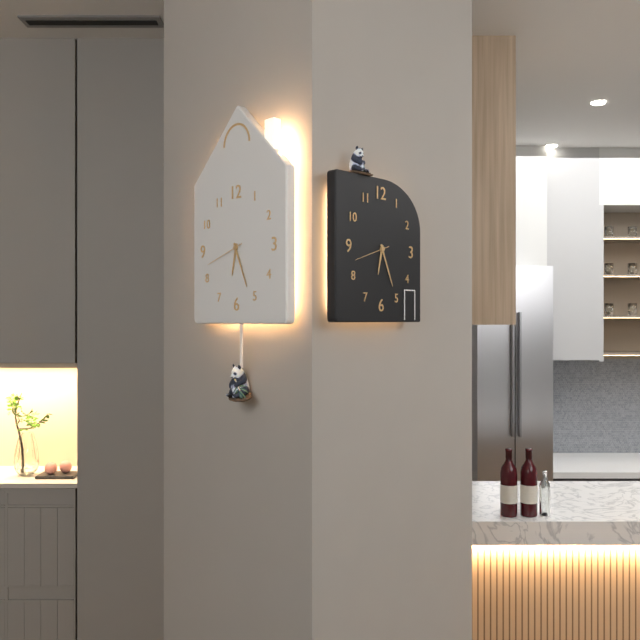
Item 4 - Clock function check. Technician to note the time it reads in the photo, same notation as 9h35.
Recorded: 6h26
